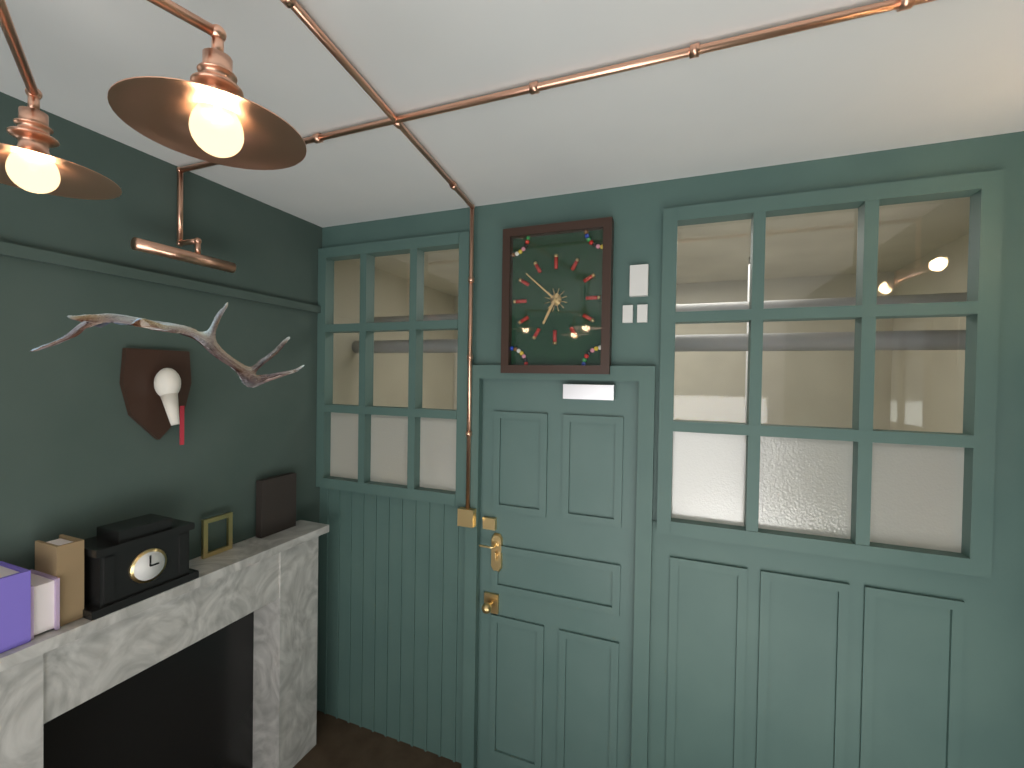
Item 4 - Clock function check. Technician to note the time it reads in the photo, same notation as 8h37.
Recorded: 6h52
